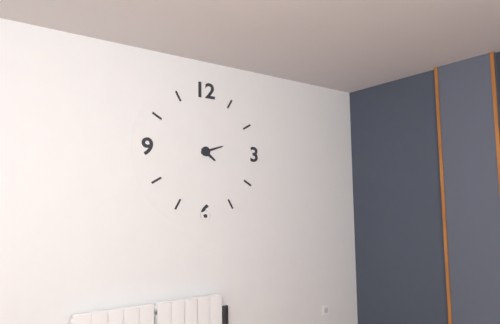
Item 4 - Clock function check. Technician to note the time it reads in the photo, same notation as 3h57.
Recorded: 4h12
